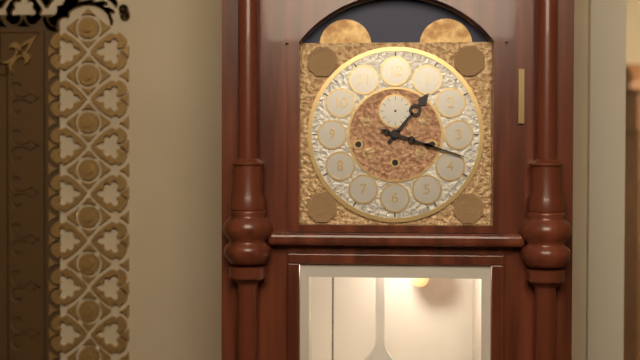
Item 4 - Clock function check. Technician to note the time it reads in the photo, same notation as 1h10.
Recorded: 1h18
